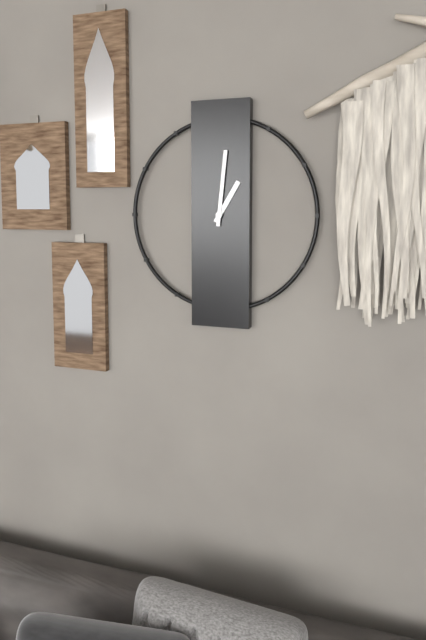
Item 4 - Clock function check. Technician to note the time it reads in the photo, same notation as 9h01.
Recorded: 1h01
